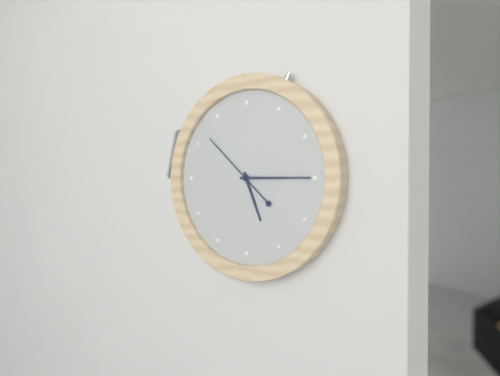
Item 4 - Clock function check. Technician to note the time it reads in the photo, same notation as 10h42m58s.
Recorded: 5h15m52s
